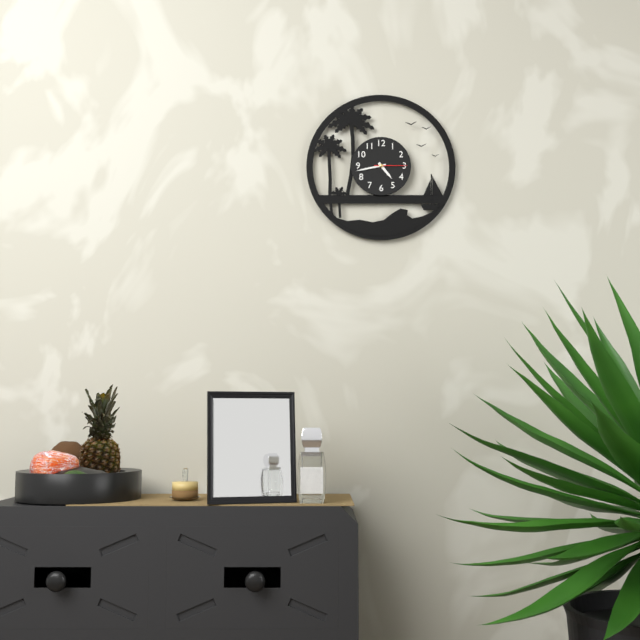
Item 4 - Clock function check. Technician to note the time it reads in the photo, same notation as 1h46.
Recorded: 4h43
